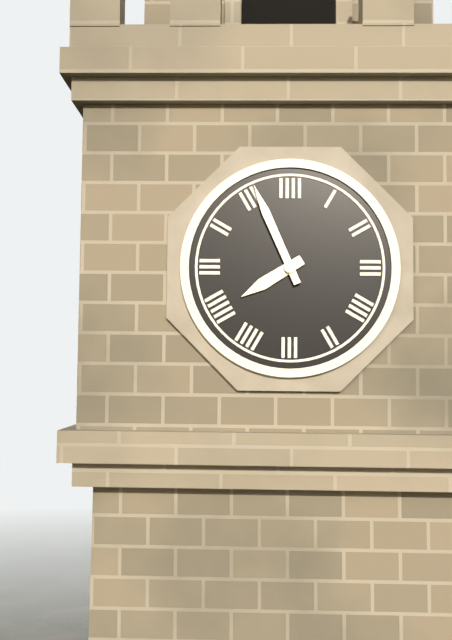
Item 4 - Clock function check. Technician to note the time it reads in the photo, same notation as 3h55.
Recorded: 7h56
